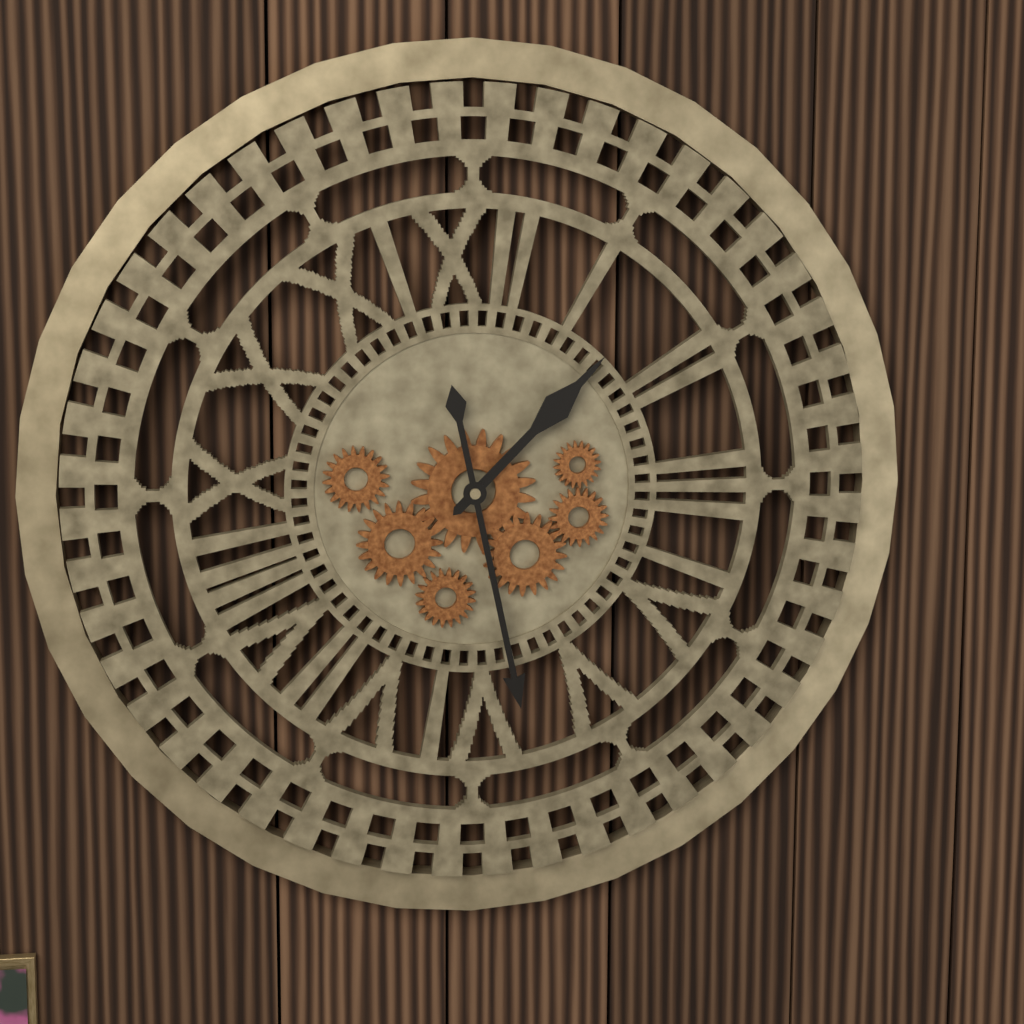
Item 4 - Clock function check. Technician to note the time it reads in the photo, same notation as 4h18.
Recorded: 1h28
